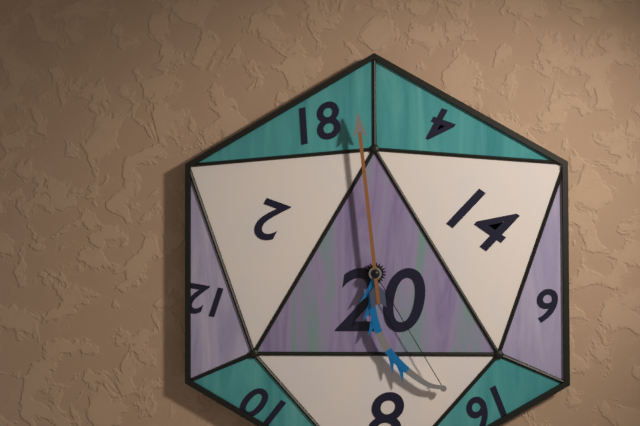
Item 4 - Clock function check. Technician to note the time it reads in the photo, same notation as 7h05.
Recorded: 4h59
